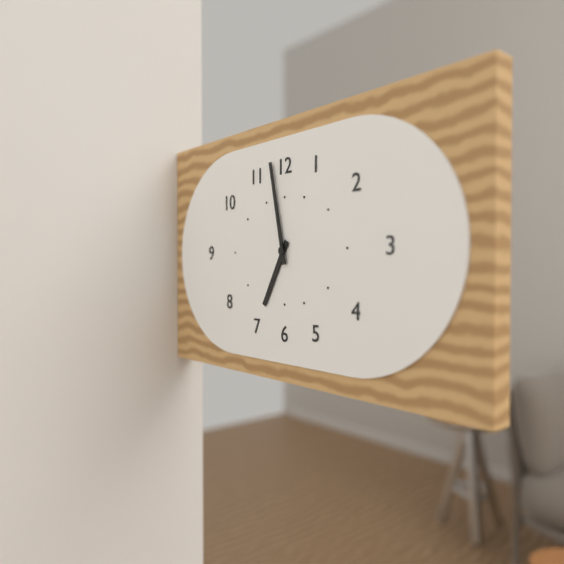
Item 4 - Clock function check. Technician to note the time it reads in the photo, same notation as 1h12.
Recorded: 6h58
